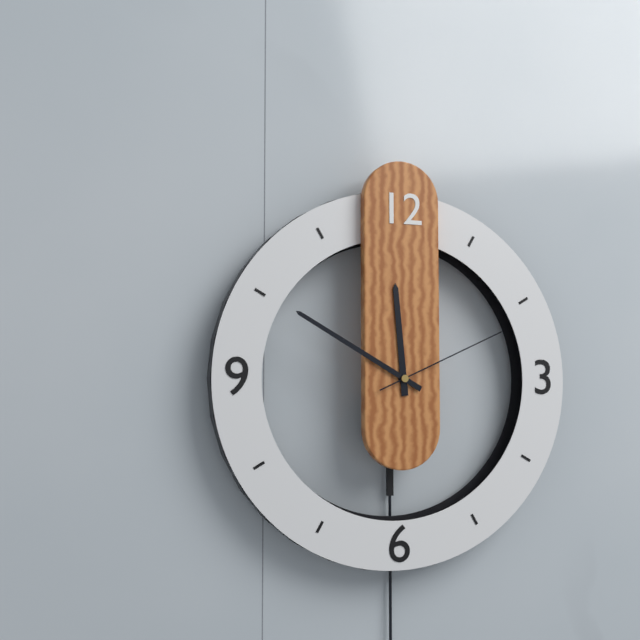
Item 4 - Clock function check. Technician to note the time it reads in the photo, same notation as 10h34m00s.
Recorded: 11h50m11s
